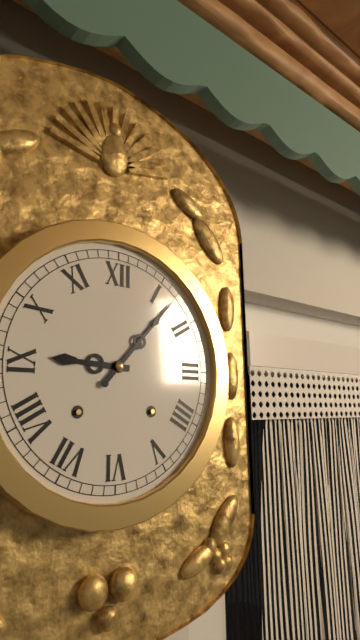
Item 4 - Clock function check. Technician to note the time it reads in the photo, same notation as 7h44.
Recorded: 9h07
